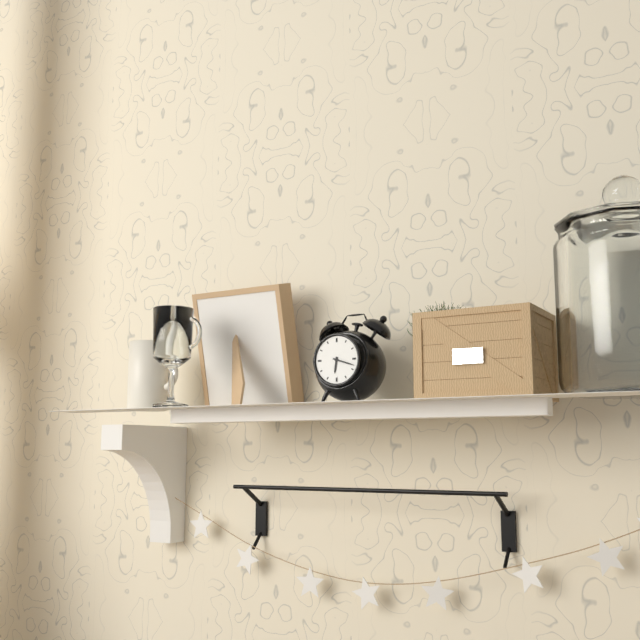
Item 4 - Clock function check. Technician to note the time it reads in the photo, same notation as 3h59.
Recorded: 6h18
